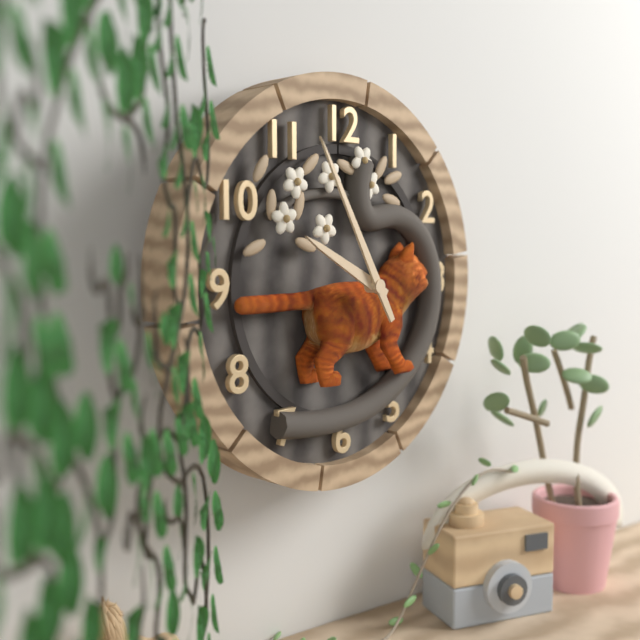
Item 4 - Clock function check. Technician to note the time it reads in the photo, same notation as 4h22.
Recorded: 9h55
